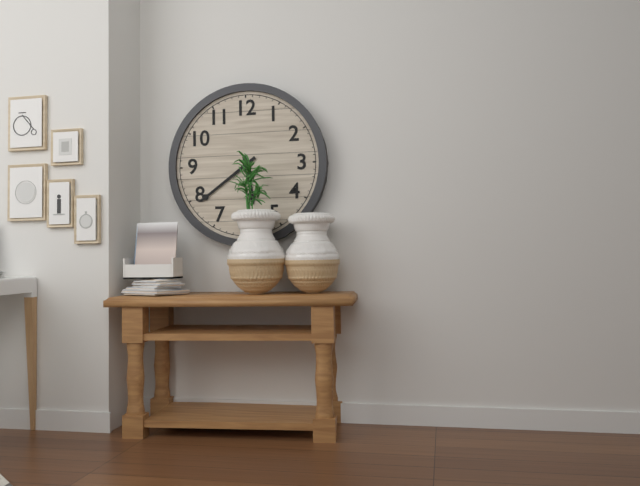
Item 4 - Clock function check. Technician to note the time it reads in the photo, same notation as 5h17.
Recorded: 5h39
